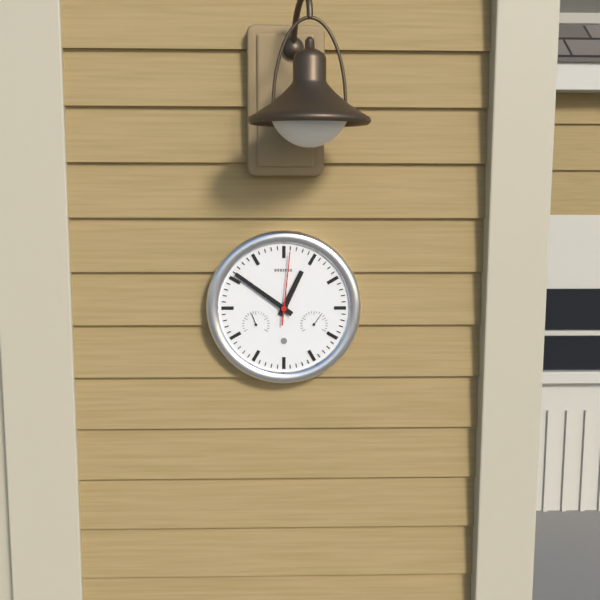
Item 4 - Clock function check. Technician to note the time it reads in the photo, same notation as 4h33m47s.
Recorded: 12h51m01s
